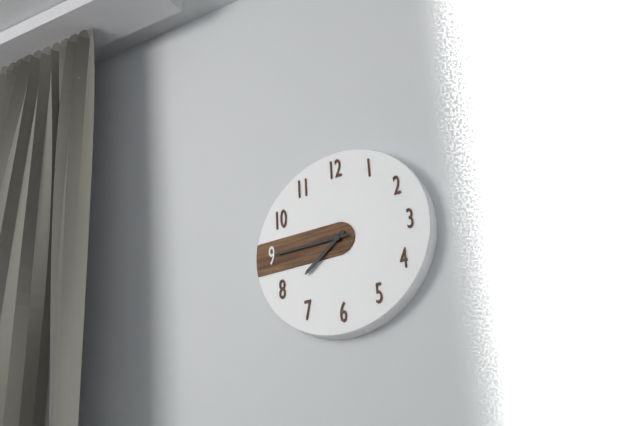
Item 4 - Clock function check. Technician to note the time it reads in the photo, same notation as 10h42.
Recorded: 7h45
